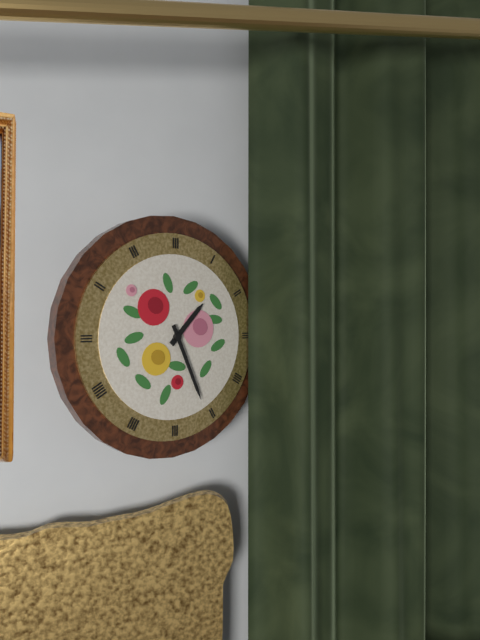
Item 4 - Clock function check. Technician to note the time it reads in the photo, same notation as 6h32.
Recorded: 1h26
